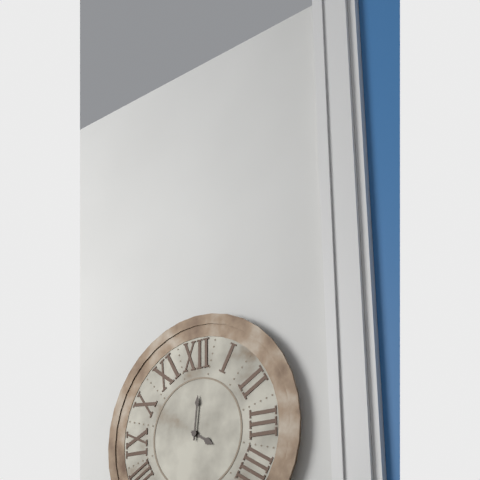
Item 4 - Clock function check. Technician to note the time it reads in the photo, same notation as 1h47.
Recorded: 4h01
